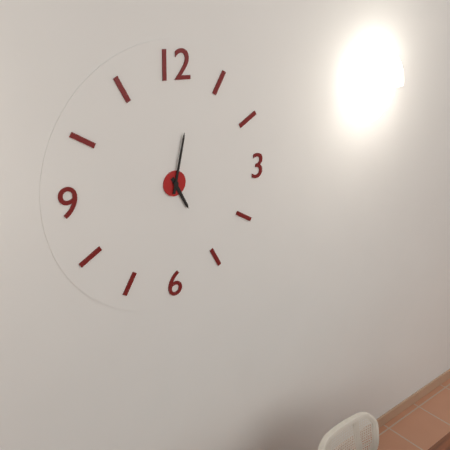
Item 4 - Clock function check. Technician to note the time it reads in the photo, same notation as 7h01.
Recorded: 5h02
